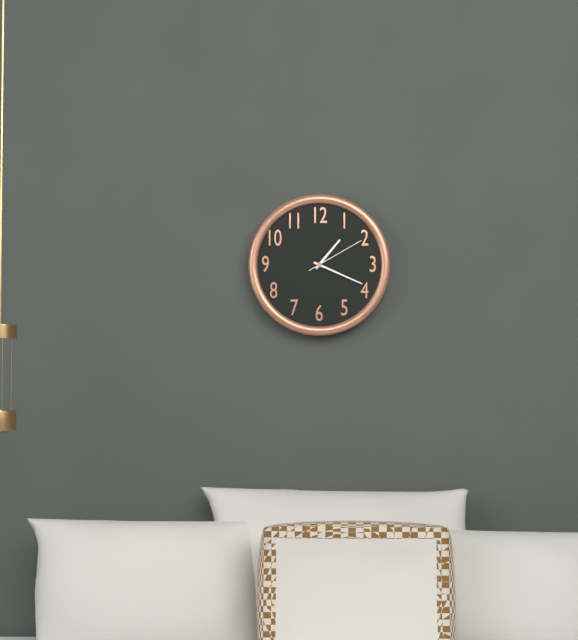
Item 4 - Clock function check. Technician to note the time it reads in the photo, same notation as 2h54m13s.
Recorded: 1h19m10s
